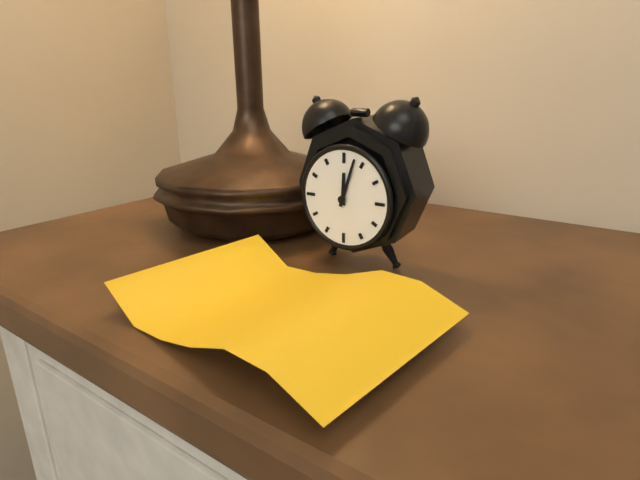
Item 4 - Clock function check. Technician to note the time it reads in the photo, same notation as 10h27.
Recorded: 12h03
